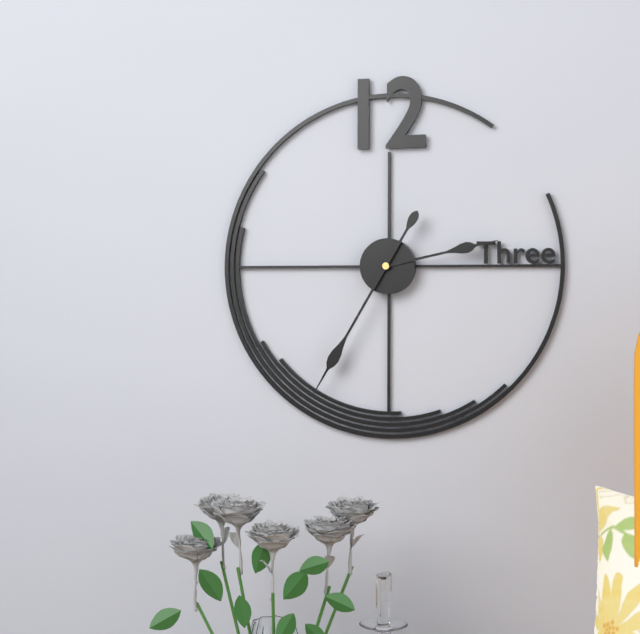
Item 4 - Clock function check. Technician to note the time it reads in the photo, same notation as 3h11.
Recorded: 2h35
